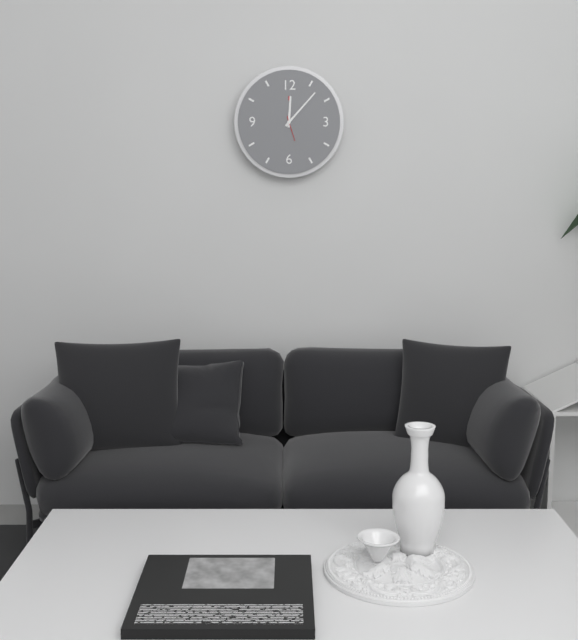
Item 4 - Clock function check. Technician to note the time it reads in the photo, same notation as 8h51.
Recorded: 12h07
